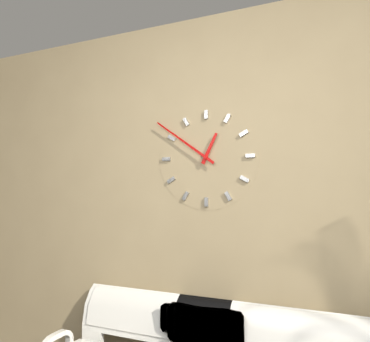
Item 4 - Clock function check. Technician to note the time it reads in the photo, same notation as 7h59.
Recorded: 12h51
